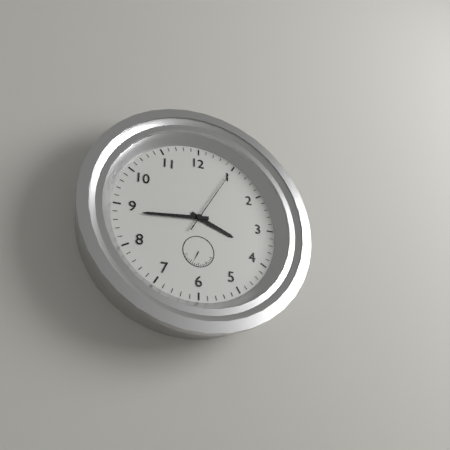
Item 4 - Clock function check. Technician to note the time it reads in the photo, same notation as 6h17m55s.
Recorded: 3h44m05s
